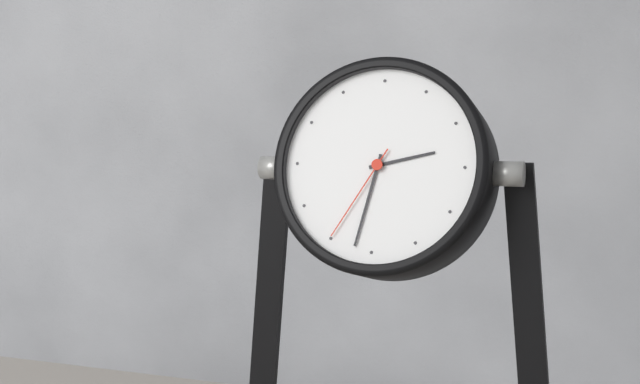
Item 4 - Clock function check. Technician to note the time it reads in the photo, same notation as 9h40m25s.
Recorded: 2h32m35s
